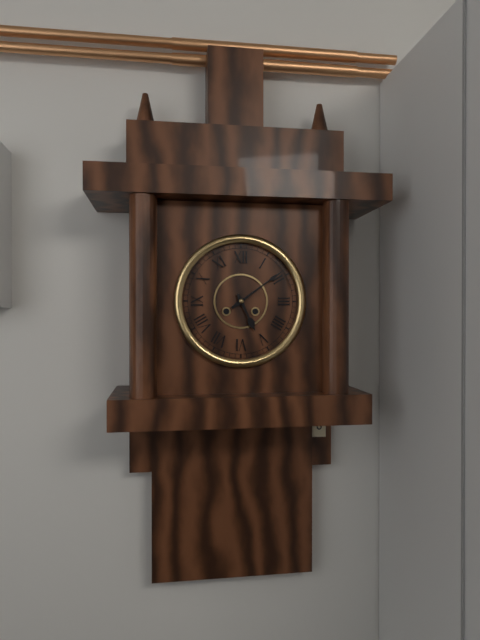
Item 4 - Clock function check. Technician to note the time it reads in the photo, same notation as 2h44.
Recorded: 5h09
